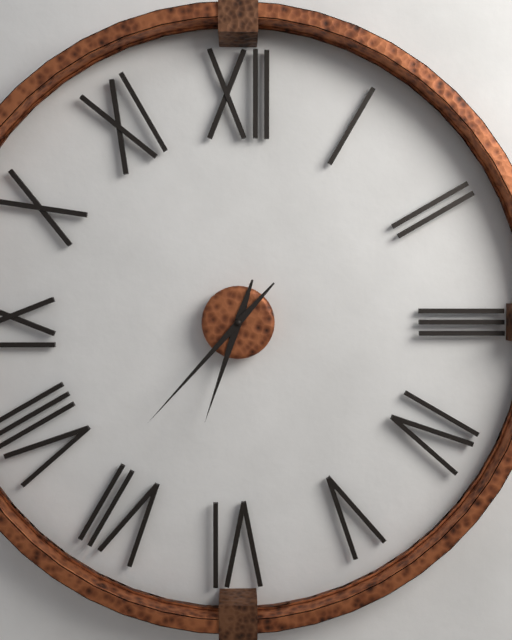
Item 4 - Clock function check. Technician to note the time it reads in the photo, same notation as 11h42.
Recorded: 6h37
